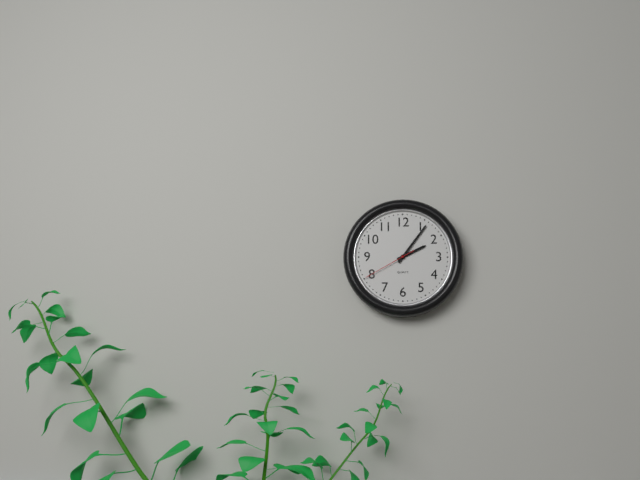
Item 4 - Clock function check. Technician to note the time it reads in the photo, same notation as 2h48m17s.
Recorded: 2h06m40s
